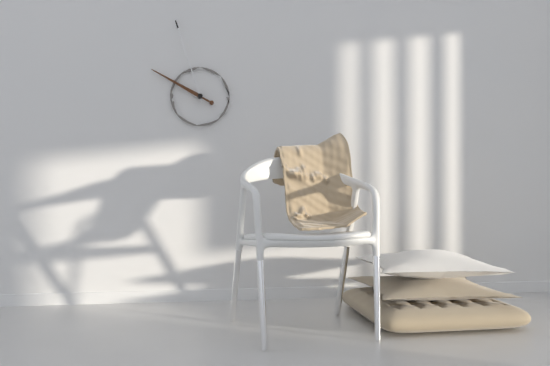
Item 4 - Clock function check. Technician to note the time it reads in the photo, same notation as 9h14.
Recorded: 9h57
